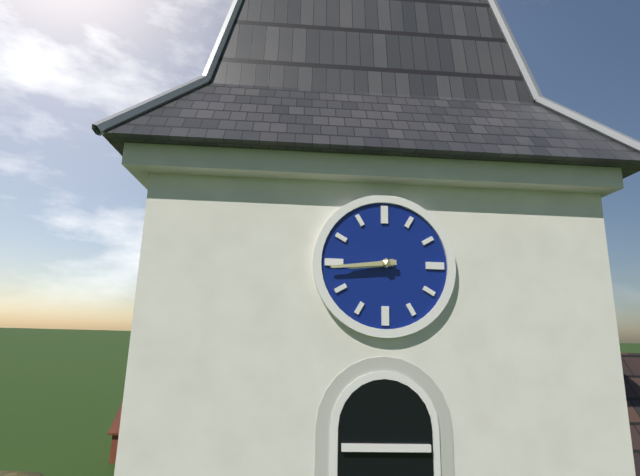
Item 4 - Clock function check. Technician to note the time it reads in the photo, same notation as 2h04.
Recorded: 8h44
